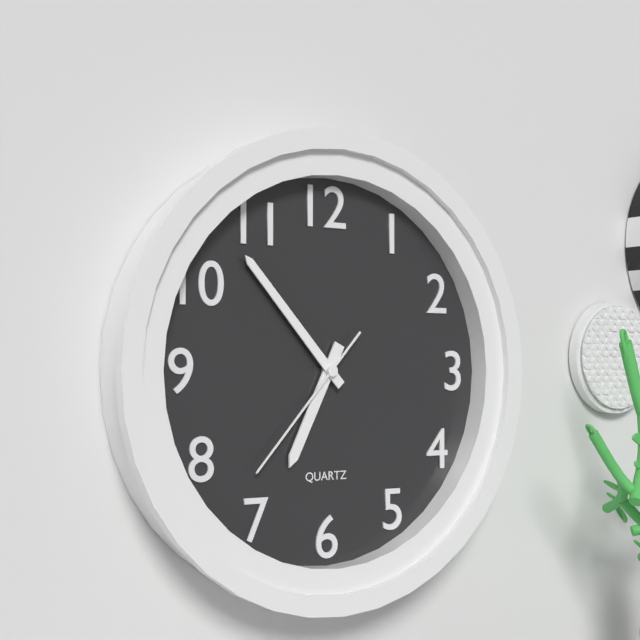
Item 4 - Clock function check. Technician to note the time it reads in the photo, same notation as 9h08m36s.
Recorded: 6h53m37s
